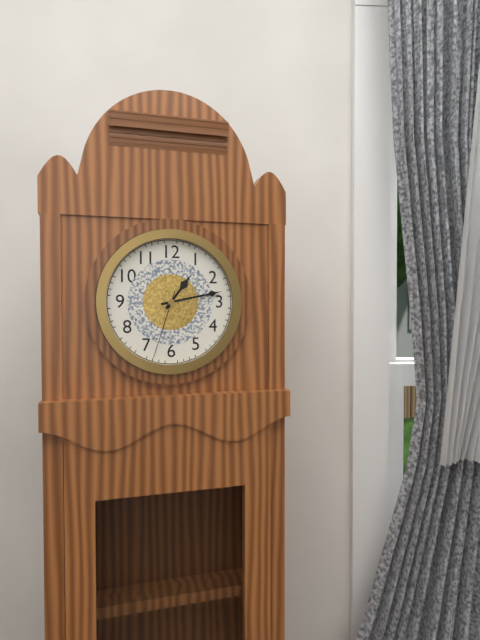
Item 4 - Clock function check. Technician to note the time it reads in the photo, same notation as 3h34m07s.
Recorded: 1h13m33s
